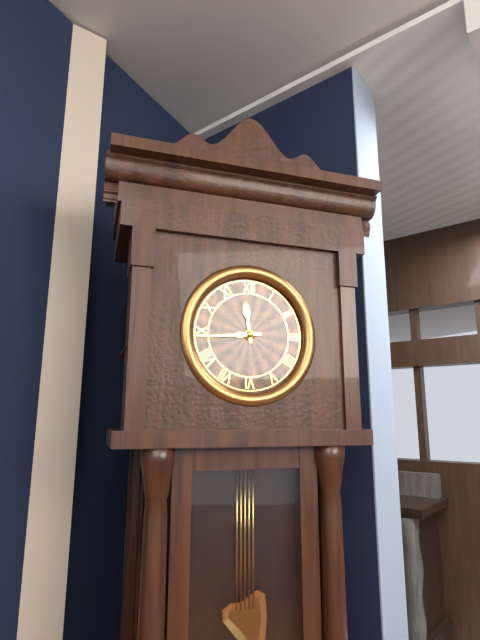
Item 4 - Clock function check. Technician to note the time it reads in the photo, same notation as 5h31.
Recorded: 11h44
